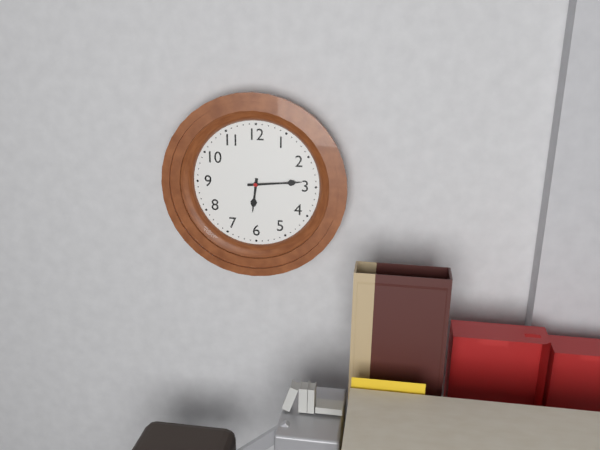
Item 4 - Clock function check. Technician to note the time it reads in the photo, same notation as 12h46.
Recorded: 6h14
